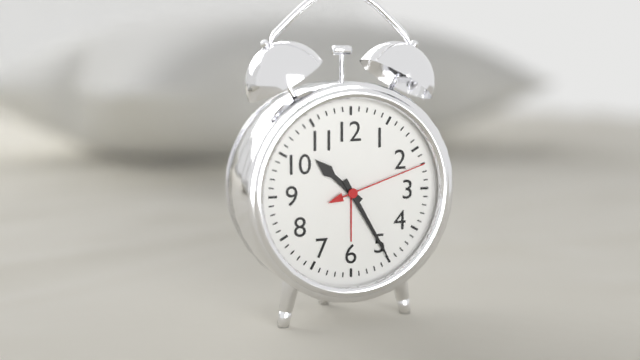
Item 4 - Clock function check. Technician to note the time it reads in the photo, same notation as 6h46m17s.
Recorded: 10h25m12s
